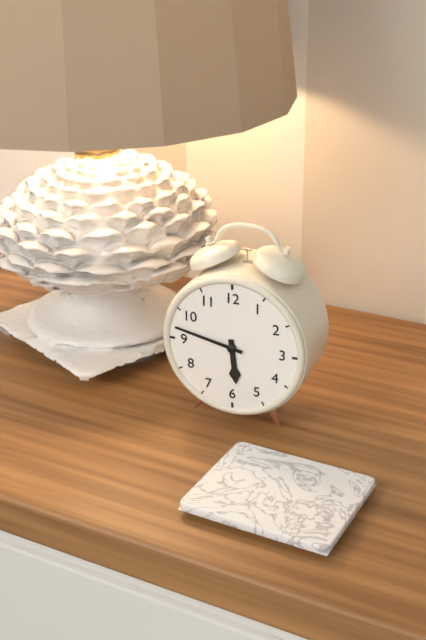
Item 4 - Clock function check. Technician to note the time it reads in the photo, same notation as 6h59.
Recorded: 5h47
